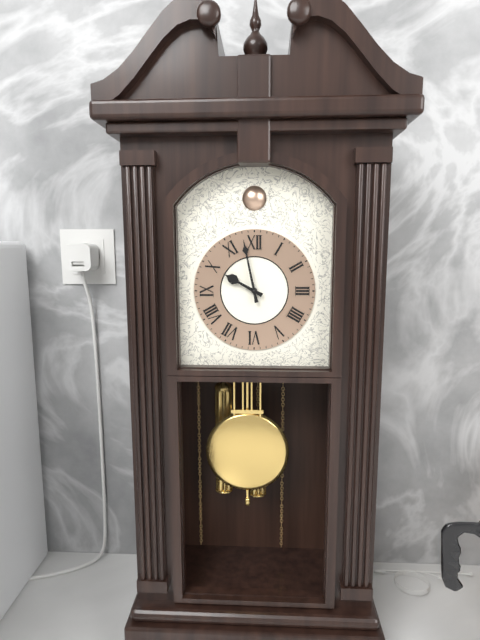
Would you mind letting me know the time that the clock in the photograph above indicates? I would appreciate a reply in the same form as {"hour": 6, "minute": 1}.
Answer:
{"hour": 9, "minute": 58}
